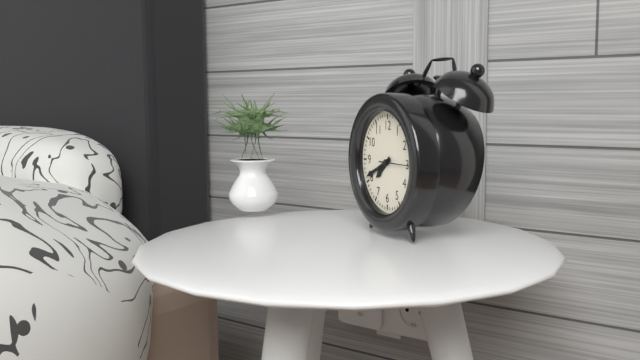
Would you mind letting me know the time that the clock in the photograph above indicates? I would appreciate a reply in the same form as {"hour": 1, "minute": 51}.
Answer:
{"hour": 7, "minute": 41}
